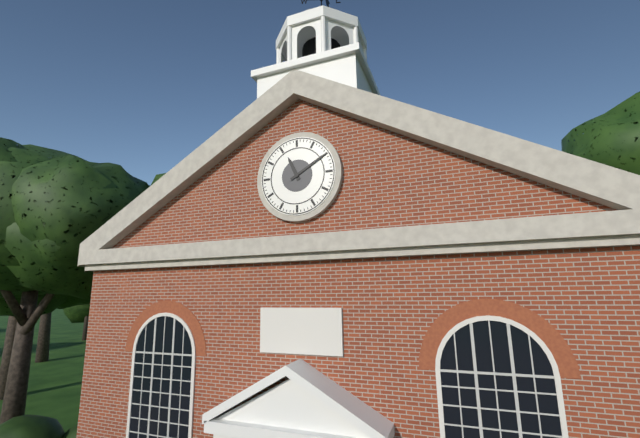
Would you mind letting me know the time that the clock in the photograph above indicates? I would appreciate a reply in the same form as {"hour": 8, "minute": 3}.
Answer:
{"hour": 11, "minute": 10}
